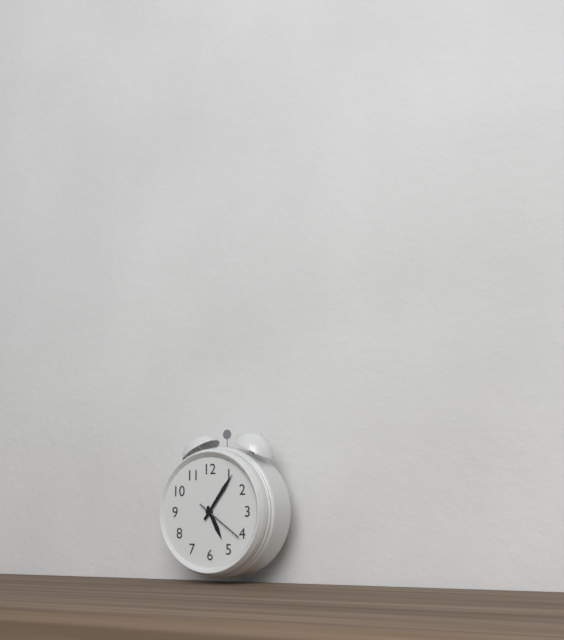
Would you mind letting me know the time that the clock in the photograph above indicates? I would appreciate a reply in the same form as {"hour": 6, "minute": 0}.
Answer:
{"hour": 5, "minute": 6}
